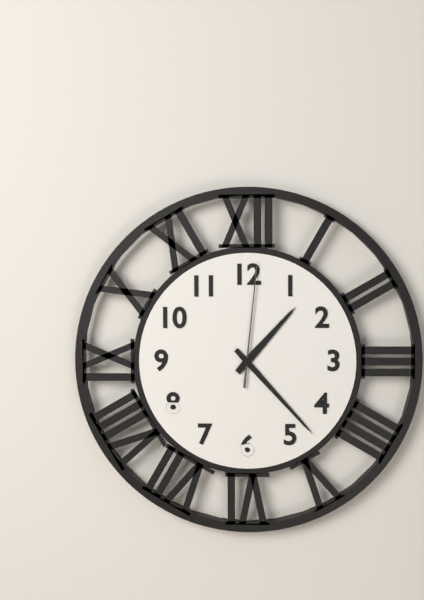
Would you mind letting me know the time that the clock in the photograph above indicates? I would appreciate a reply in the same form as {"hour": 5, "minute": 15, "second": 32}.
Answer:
{"hour": 1, "minute": 23, "second": 1}
